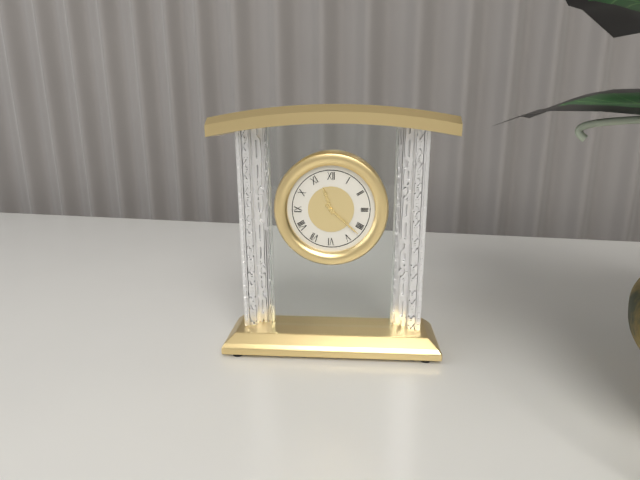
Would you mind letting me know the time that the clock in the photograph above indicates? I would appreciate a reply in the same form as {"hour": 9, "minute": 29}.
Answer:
{"hour": 11, "minute": 22}
